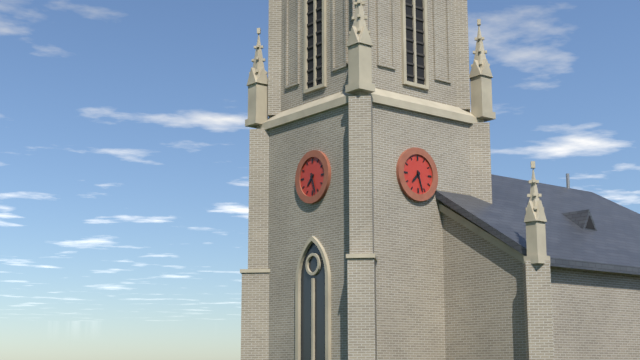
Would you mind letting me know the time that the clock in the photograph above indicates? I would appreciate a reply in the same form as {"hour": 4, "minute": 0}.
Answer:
{"hour": 7, "minute": 27}
